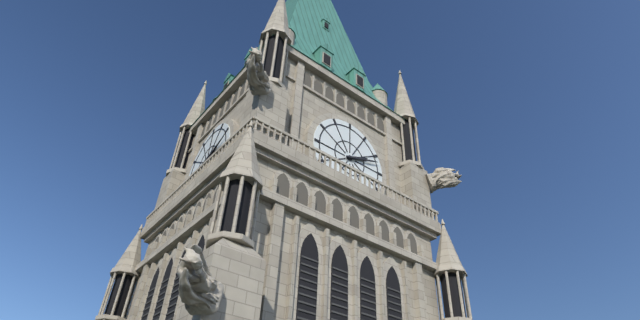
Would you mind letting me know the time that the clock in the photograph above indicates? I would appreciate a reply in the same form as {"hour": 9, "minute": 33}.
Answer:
{"hour": 2, "minute": 12}
